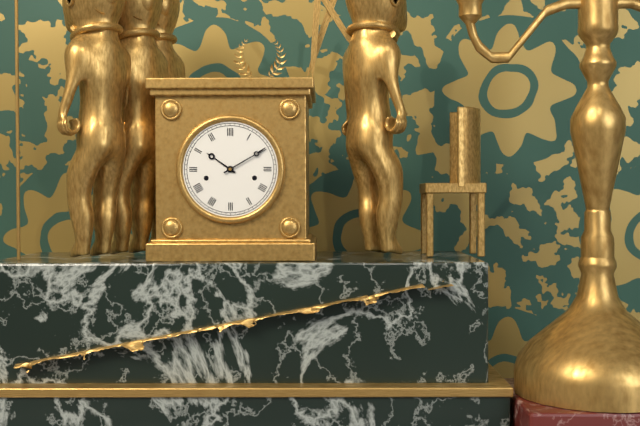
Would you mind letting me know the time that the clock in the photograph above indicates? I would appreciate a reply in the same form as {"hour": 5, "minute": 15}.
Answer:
{"hour": 10, "minute": 10}
